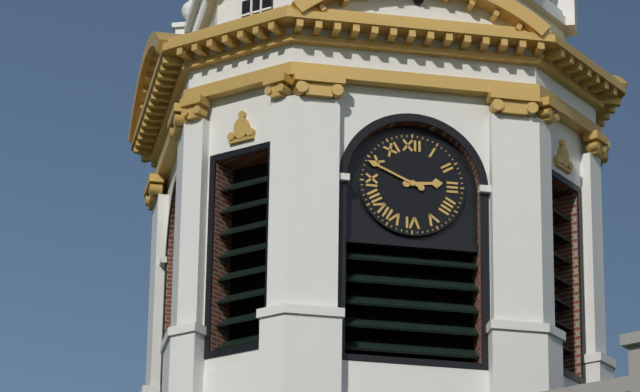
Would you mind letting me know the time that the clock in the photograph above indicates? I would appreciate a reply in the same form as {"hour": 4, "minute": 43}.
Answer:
{"hour": 2, "minute": 49}
